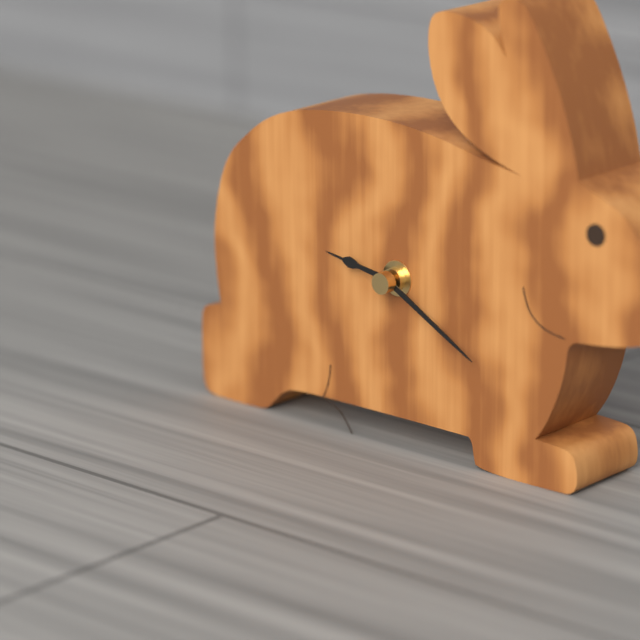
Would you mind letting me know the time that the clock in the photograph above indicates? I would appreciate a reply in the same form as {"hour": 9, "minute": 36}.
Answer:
{"hour": 9, "minute": 20}
